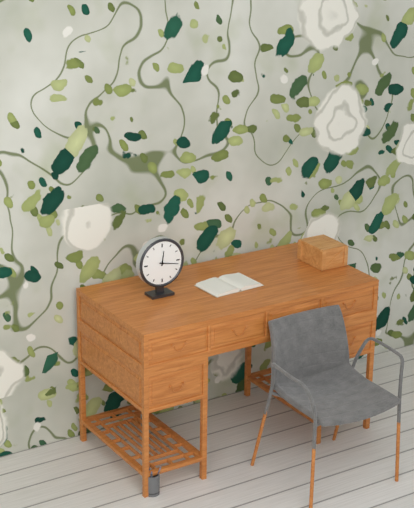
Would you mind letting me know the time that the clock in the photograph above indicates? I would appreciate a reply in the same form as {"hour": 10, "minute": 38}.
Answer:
{"hour": 12, "minute": 17}
